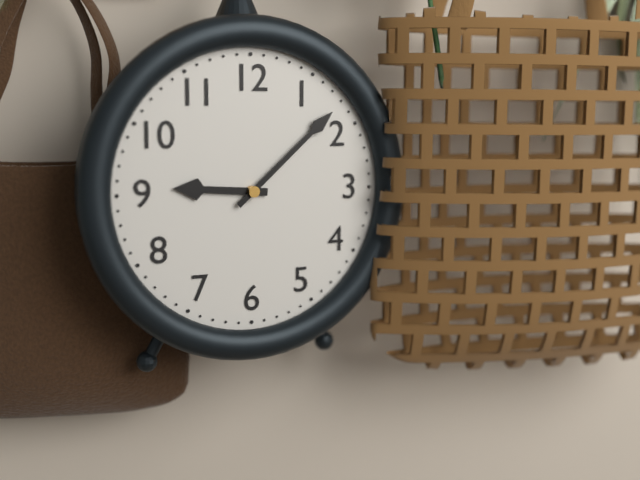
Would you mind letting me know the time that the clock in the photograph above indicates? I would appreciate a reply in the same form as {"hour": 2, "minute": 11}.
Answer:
{"hour": 9, "minute": 8}
